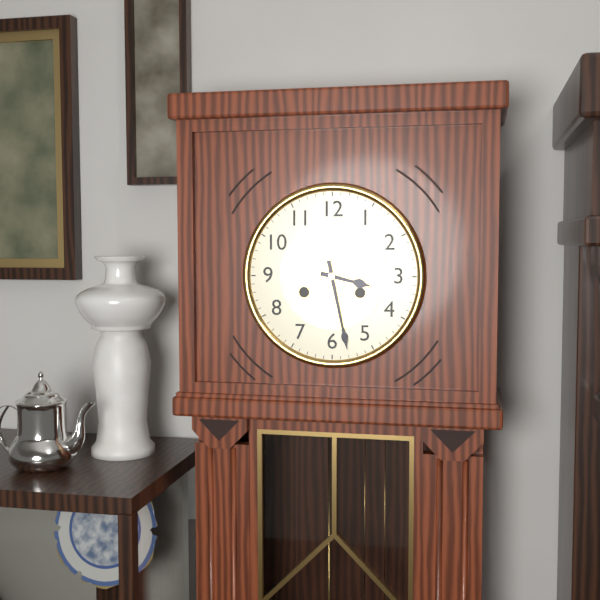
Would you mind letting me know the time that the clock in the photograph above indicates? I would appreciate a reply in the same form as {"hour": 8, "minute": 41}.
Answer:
{"hour": 3, "minute": 28}
